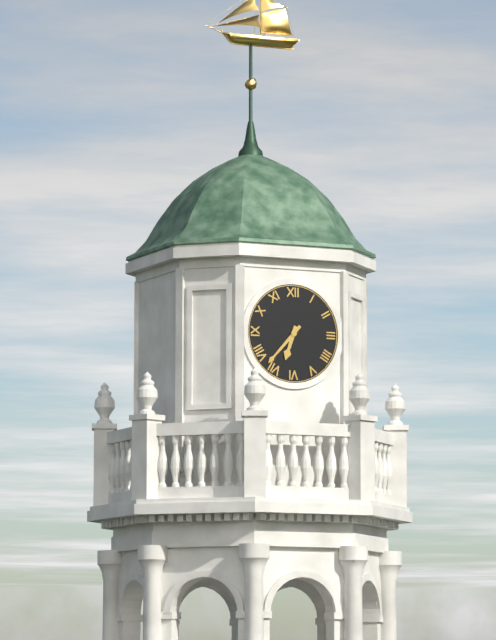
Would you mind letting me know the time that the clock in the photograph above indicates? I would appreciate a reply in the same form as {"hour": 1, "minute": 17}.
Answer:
{"hour": 6, "minute": 37}
